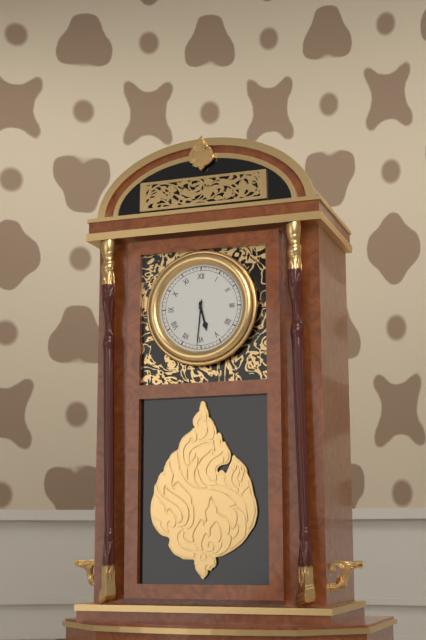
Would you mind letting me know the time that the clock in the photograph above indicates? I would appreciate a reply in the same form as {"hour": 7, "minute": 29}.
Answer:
{"hour": 5, "minute": 31}
